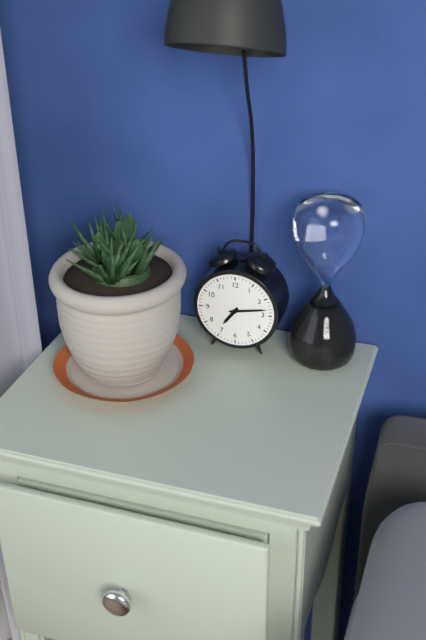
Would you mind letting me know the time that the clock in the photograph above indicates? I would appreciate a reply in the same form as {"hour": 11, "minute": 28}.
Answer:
{"hour": 7, "minute": 13}
